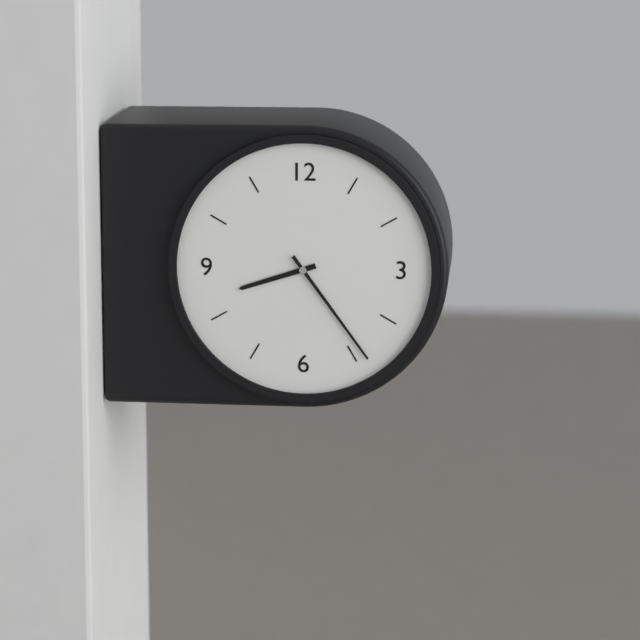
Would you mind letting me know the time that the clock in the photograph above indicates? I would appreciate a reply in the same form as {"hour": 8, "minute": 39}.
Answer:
{"hour": 8, "minute": 24}
